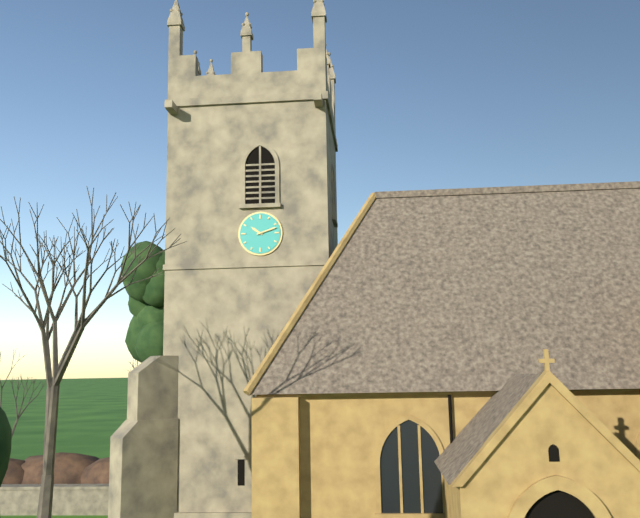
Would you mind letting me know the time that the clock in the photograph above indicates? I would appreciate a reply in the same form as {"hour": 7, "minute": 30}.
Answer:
{"hour": 10, "minute": 12}
